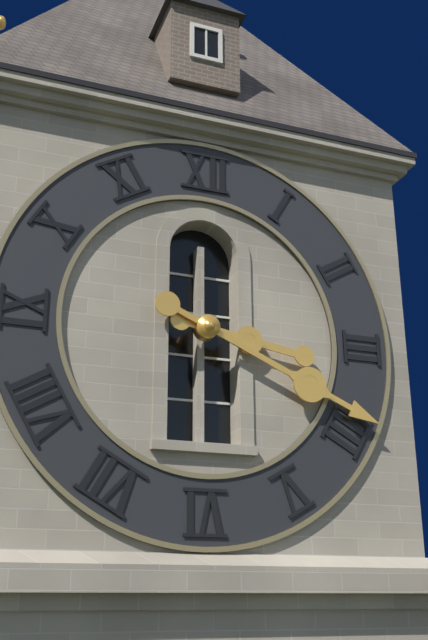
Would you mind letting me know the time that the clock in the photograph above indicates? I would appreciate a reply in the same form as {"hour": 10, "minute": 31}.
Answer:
{"hour": 3, "minute": 19}
